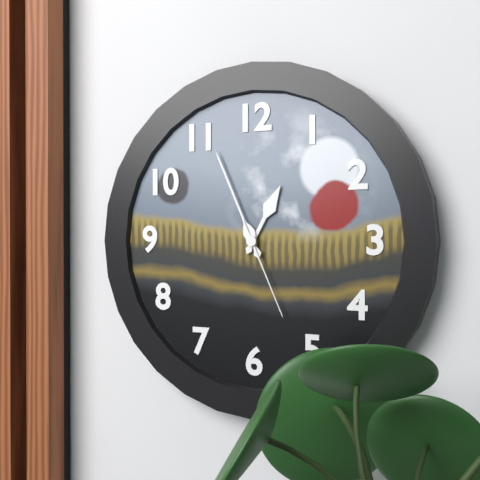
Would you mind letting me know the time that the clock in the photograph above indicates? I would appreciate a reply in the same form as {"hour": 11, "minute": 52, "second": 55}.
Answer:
{"hour": 12, "minute": 56, "second": 26}
